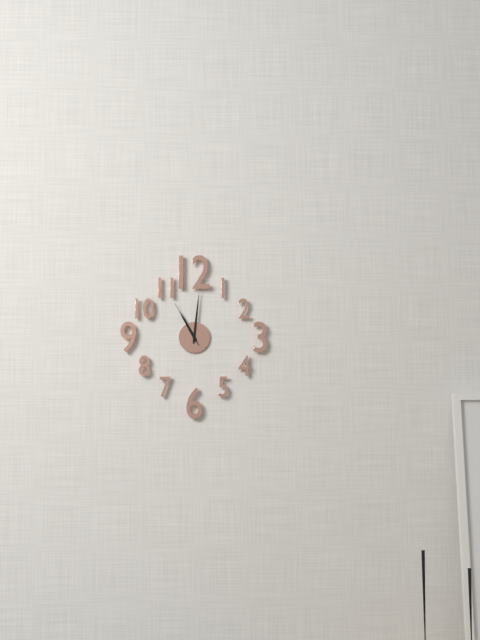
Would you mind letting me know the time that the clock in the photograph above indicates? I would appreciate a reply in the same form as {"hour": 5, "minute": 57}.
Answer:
{"hour": 11, "minute": 1}
